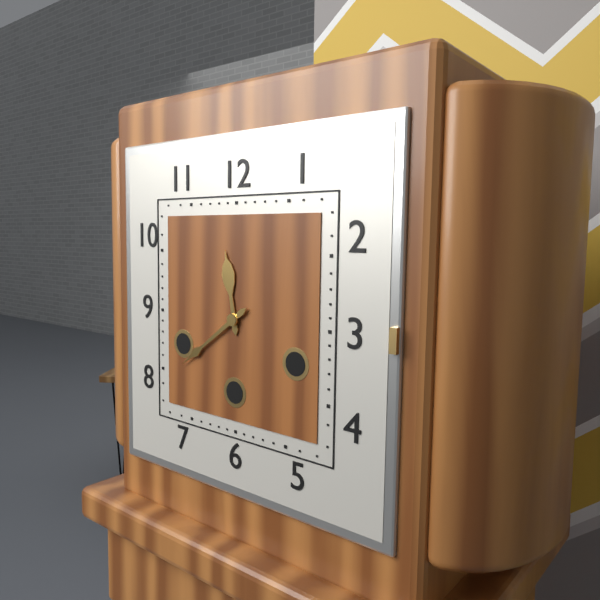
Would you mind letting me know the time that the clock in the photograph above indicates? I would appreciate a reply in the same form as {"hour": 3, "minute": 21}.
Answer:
{"hour": 11, "minute": 39}
